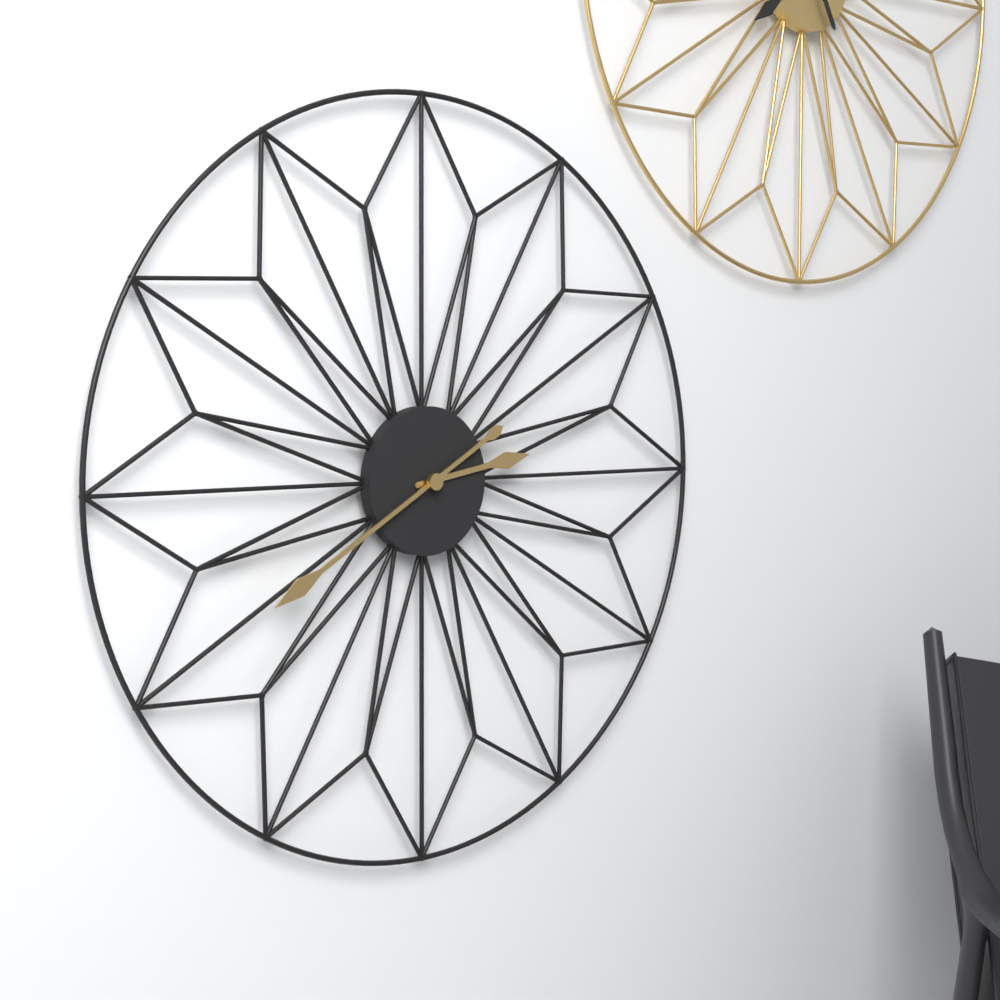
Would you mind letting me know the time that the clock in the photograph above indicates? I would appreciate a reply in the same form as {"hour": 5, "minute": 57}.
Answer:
{"hour": 2, "minute": 40}
